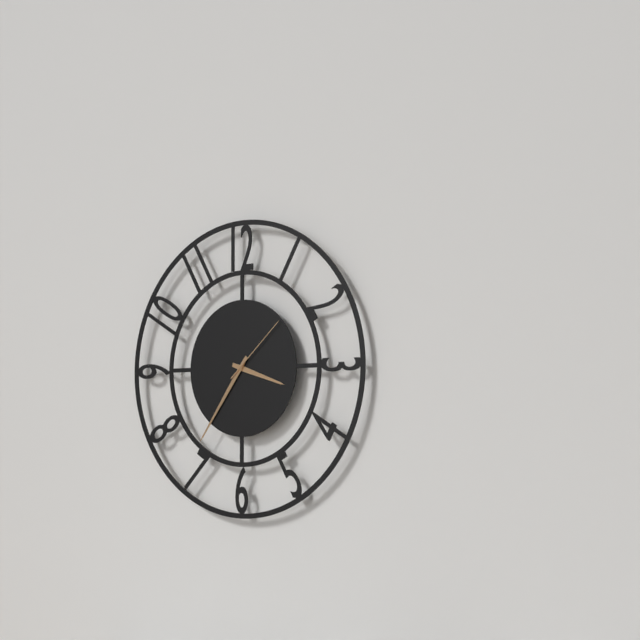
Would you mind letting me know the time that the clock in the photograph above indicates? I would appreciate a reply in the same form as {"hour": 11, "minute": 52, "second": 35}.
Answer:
{"hour": 3, "minute": 36, "second": 8}
